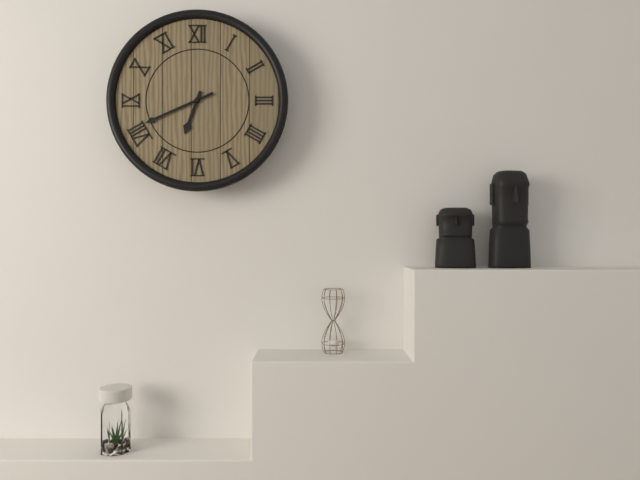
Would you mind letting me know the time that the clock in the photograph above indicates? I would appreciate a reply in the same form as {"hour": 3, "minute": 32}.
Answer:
{"hour": 6, "minute": 41}
